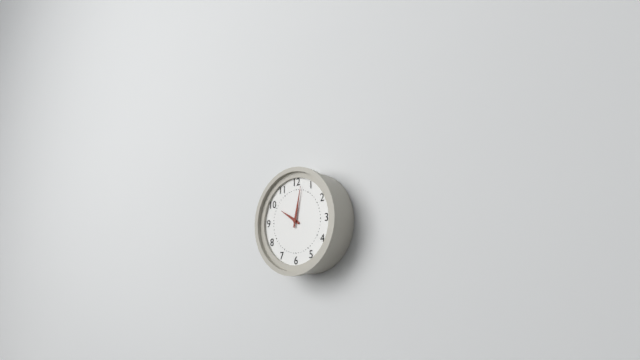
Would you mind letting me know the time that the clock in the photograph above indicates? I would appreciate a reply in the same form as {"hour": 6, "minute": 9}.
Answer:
{"hour": 10, "minute": 2}
